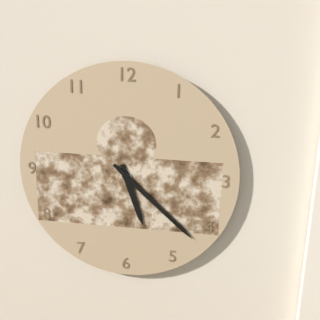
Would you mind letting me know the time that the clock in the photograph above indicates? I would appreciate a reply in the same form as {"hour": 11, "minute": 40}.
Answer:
{"hour": 5, "minute": 22}
